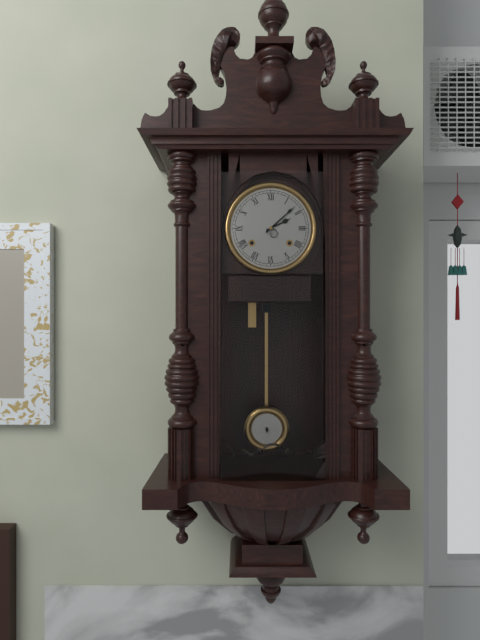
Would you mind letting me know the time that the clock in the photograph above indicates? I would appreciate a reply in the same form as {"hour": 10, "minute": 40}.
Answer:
{"hour": 2, "minute": 8}
